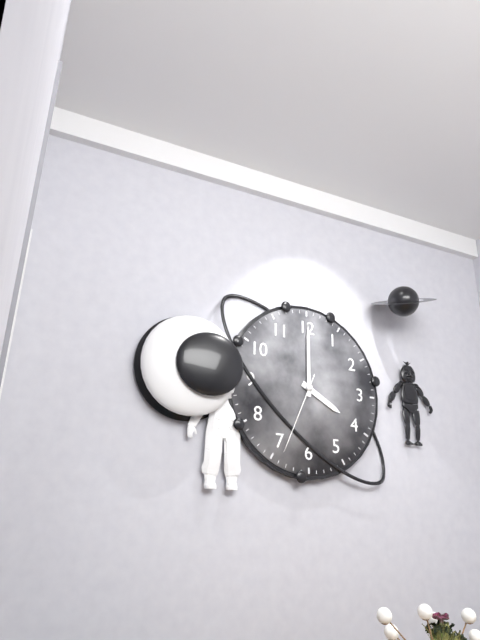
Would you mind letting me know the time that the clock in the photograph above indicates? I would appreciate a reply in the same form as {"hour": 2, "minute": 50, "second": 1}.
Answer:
{"hour": 4, "minute": 0, "second": 34}
